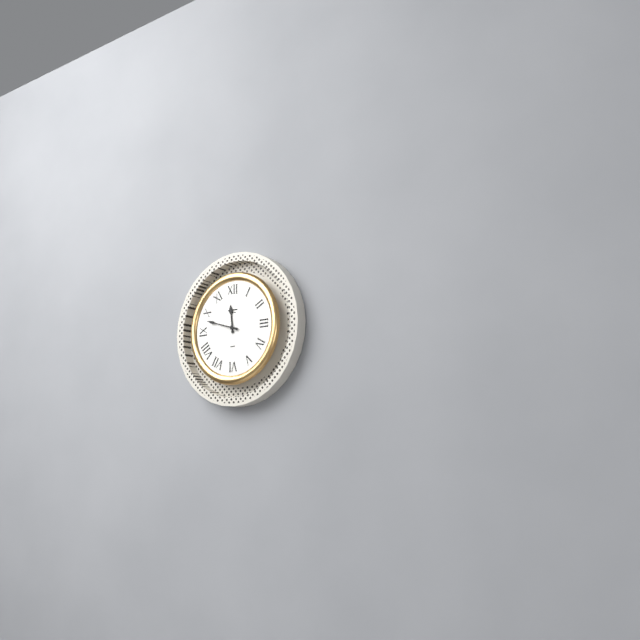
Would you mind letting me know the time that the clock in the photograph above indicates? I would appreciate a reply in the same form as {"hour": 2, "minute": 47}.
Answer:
{"hour": 11, "minute": 48}
